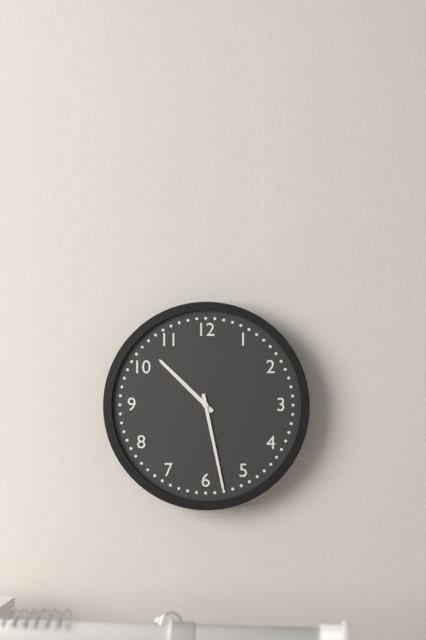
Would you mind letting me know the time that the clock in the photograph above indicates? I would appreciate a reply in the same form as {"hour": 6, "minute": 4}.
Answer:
{"hour": 10, "minute": 28}
